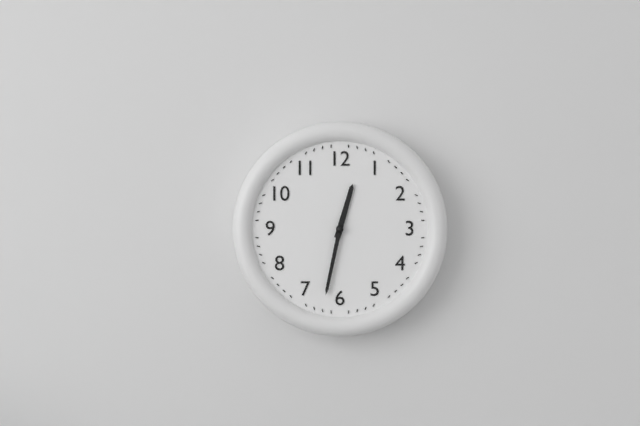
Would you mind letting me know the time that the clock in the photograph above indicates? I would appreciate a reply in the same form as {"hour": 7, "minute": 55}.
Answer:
{"hour": 12, "minute": 32}
